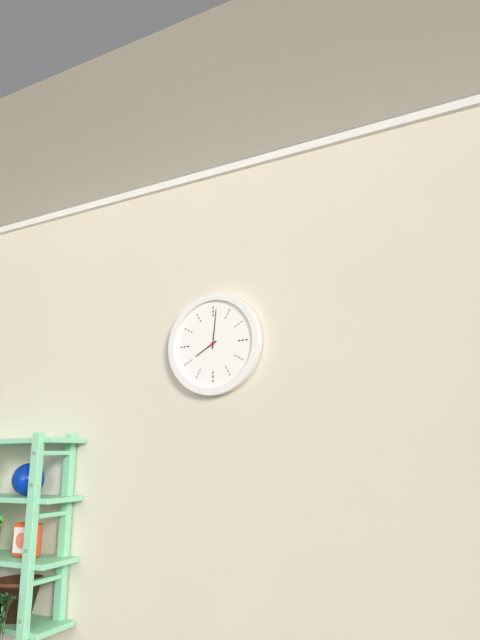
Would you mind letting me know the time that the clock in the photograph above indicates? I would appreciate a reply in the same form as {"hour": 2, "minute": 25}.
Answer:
{"hour": 8, "minute": 1}
